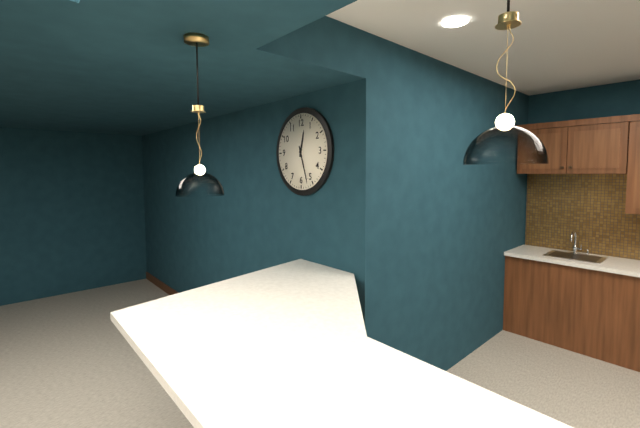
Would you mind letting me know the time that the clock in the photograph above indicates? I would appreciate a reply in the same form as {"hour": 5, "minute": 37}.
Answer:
{"hour": 12, "minute": 27}
